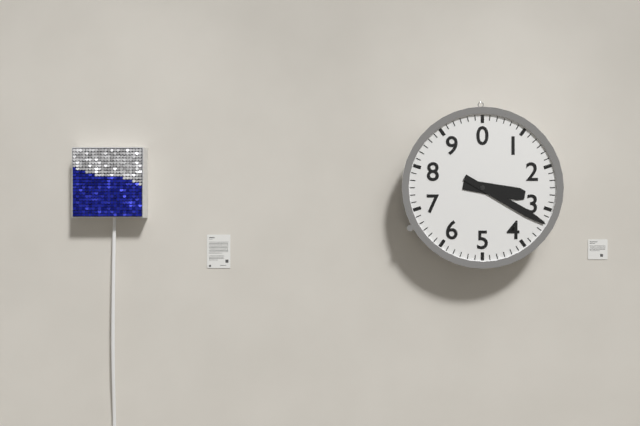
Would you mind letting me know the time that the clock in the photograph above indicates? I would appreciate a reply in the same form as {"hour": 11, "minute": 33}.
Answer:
{"hour": 3, "minute": 20}
